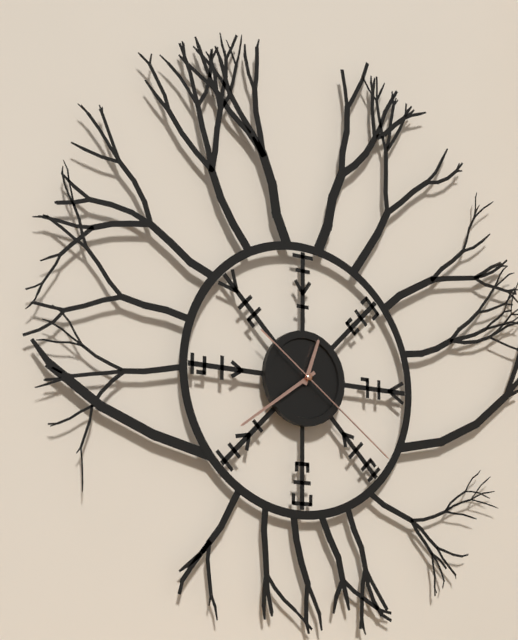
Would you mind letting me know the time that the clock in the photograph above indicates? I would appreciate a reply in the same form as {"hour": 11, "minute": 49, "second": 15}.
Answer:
{"hour": 12, "minute": 39, "second": 21}
